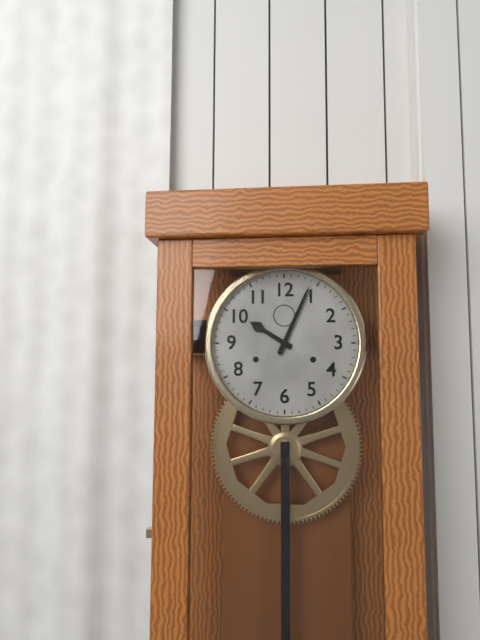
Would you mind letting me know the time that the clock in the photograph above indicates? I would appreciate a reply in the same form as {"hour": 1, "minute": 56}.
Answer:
{"hour": 10, "minute": 4}
